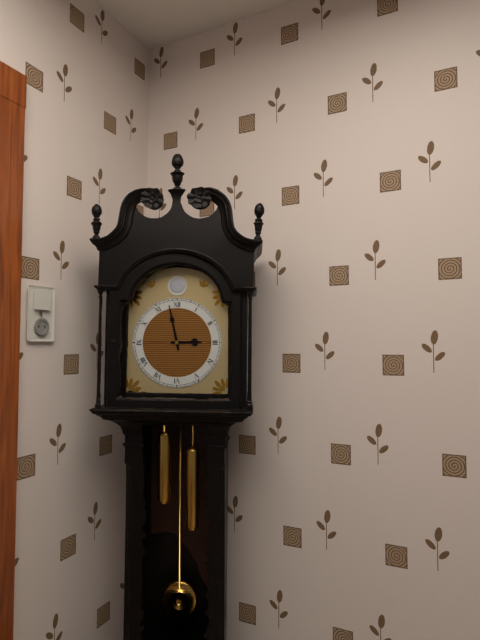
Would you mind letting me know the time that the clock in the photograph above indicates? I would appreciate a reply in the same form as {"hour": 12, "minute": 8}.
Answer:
{"hour": 2, "minute": 58}
